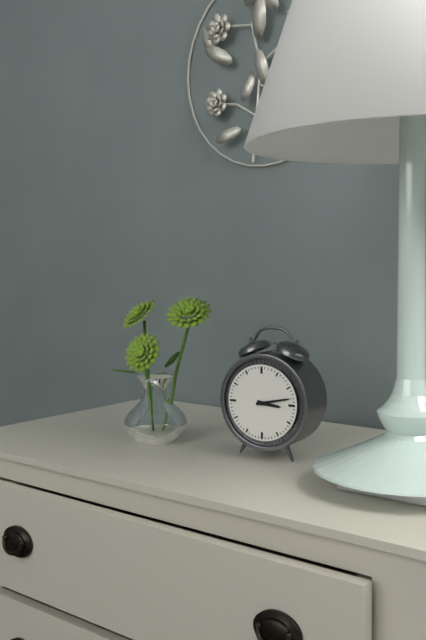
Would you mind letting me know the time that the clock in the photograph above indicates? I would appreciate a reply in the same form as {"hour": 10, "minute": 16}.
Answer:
{"hour": 3, "minute": 13}
